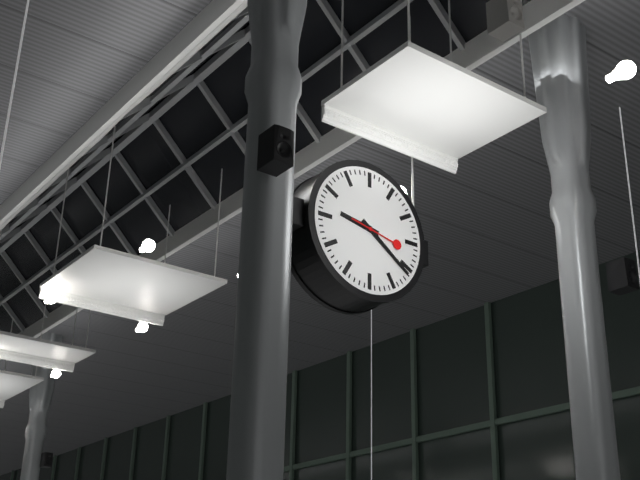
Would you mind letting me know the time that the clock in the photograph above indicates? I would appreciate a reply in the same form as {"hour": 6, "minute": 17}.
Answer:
{"hour": 9, "minute": 21}
